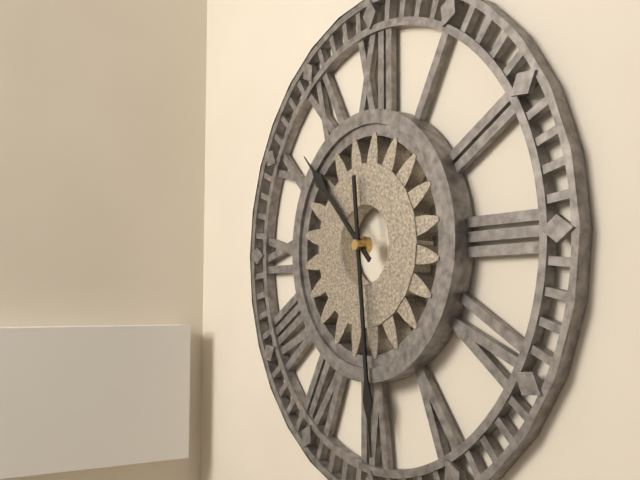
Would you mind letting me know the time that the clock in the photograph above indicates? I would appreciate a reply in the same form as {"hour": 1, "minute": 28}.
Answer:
{"hour": 10, "minute": 29}
